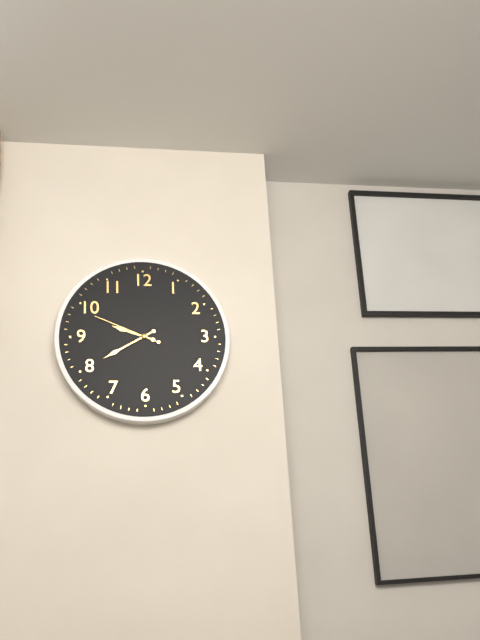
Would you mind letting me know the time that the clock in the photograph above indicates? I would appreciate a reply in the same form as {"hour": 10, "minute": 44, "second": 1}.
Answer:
{"hour": 9, "minute": 40, "second": 49}
